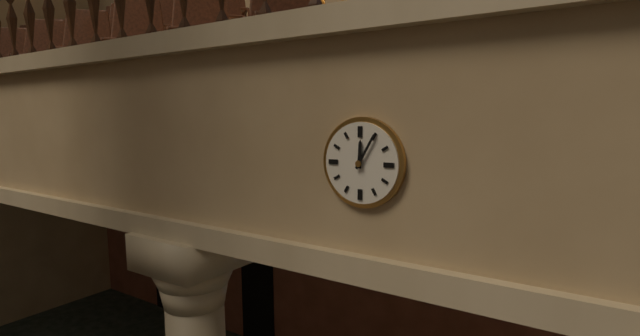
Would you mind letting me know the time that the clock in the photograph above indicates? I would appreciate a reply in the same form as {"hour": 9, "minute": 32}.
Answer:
{"hour": 12, "minute": 5}
